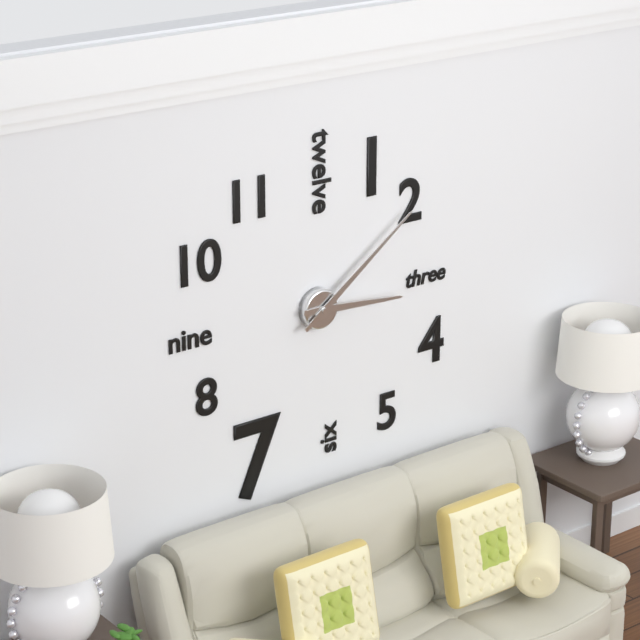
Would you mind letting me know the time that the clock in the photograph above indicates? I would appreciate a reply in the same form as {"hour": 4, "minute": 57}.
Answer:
{"hour": 3, "minute": 9}
